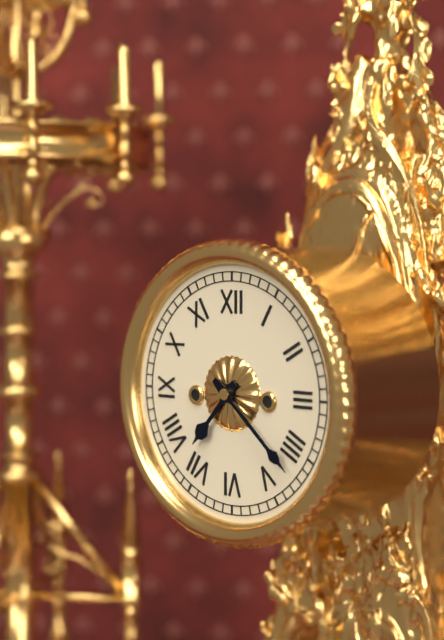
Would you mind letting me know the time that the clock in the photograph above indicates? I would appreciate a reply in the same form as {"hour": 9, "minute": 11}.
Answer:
{"hour": 7, "minute": 22}
